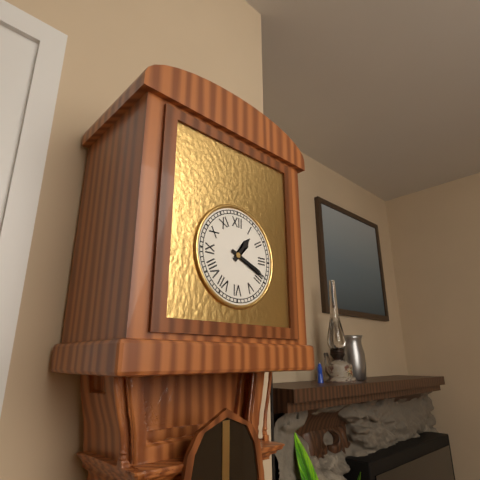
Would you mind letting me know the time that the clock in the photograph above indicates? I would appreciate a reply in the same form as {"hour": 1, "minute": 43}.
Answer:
{"hour": 1, "minute": 19}
